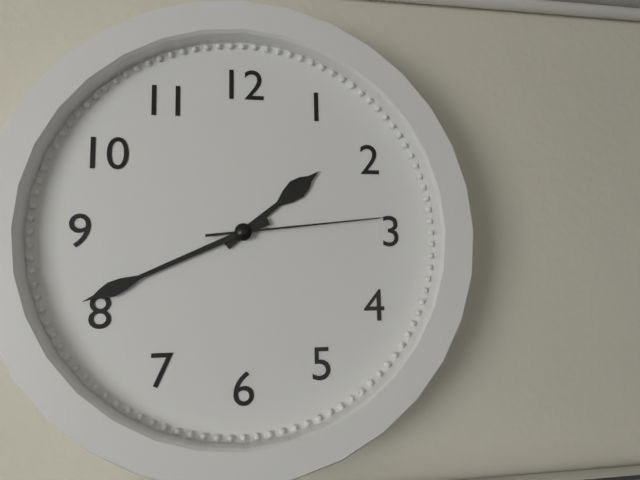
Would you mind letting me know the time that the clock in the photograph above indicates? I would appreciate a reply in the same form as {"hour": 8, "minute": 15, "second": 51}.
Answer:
{"hour": 1, "minute": 41, "second": 14}
